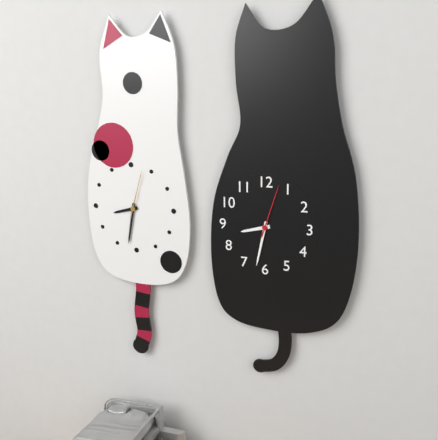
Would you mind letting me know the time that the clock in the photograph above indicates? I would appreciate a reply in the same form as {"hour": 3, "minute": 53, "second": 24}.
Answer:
{"hour": 8, "minute": 32, "second": 3}
